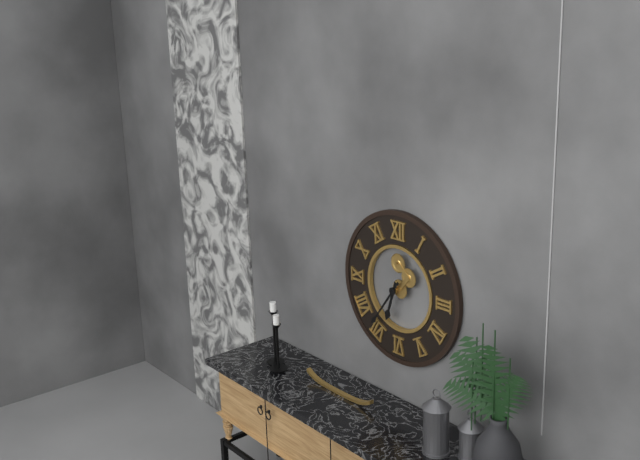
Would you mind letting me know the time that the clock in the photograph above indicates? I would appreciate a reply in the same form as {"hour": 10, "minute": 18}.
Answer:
{"hour": 6, "minute": 36}
